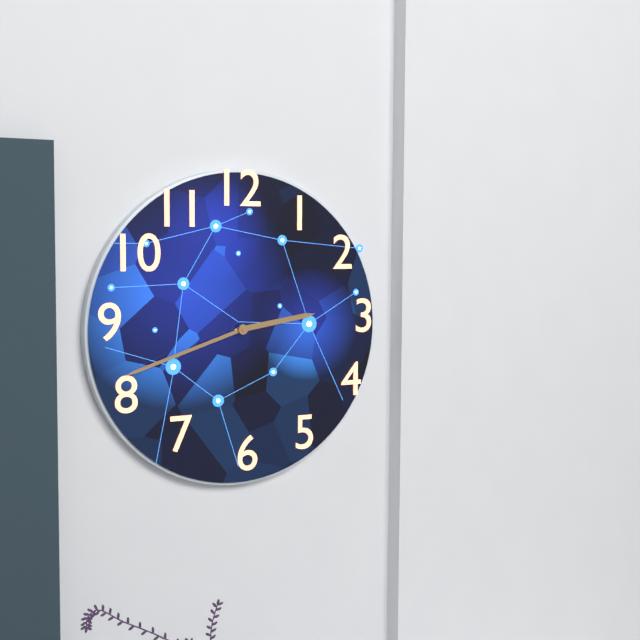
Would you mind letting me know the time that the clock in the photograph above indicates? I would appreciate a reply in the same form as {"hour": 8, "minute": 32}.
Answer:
{"hour": 2, "minute": 42}
